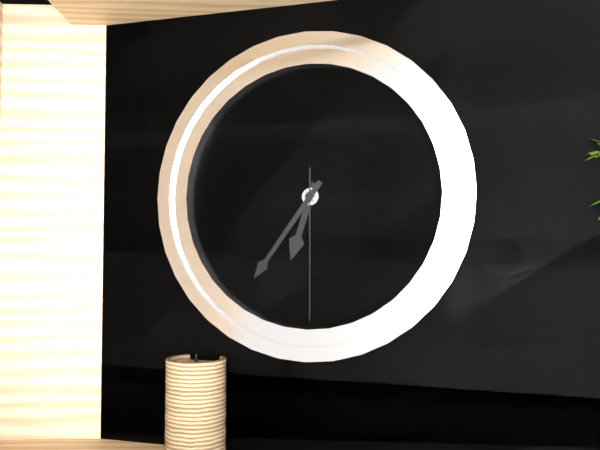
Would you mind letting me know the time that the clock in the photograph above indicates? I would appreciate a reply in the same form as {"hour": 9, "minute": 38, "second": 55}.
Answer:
{"hour": 6, "minute": 36, "second": 30}
